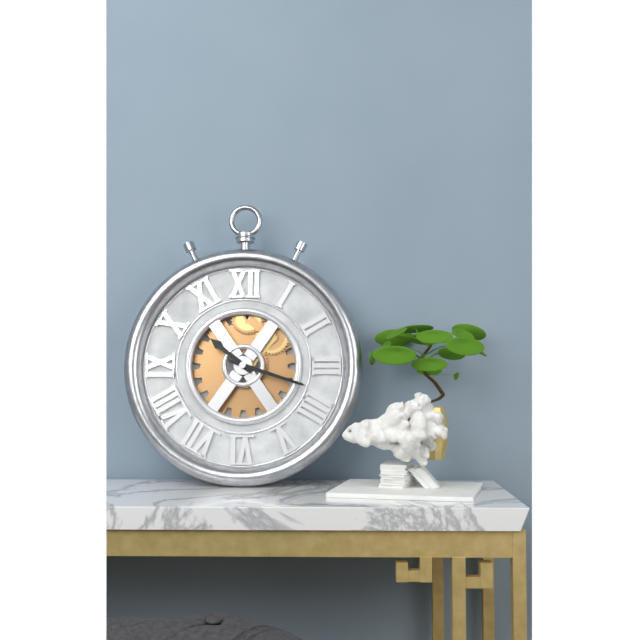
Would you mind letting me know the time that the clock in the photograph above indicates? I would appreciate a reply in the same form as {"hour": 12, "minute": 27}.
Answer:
{"hour": 10, "minute": 18}
